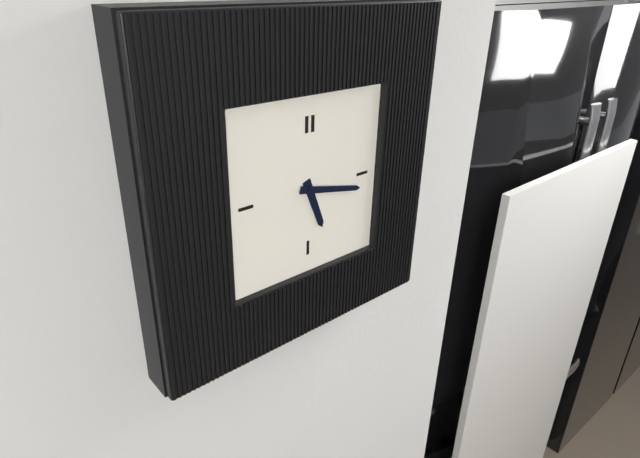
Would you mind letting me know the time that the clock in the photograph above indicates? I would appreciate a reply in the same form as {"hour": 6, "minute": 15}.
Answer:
{"hour": 5, "minute": 17}
